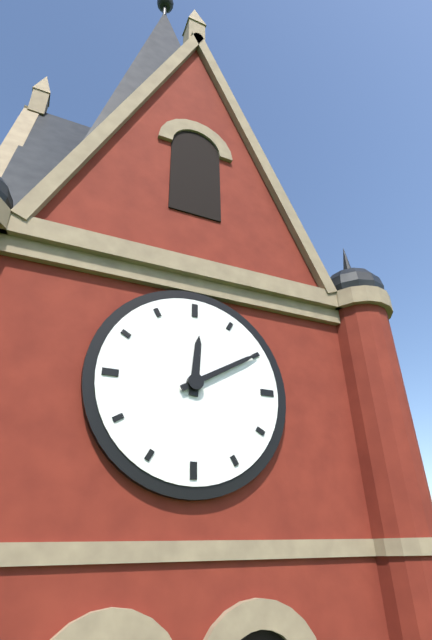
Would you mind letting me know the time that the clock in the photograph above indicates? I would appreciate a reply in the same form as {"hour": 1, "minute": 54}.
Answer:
{"hour": 12, "minute": 10}
